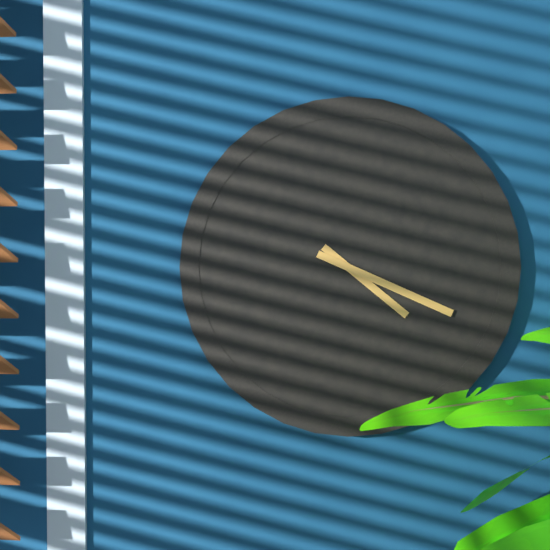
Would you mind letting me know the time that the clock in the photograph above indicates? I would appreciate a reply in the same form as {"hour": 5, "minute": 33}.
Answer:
{"hour": 4, "minute": 19}
